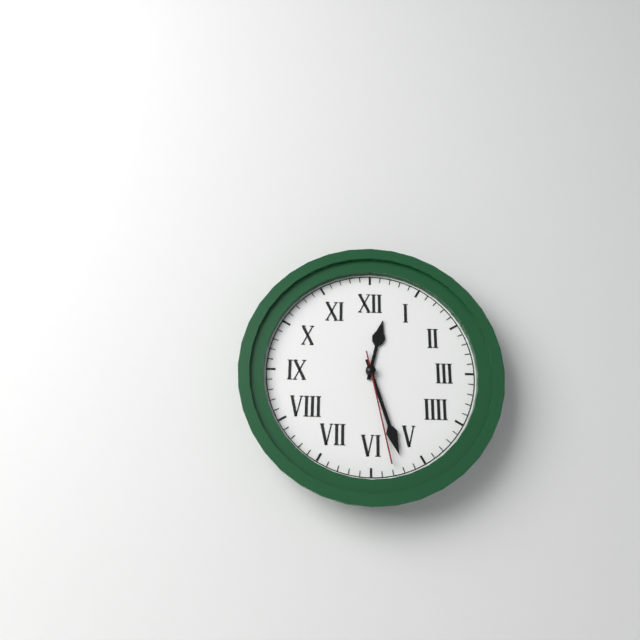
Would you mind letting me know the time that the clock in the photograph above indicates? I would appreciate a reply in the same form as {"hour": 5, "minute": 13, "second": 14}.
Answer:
{"hour": 12, "minute": 27, "second": 28}
